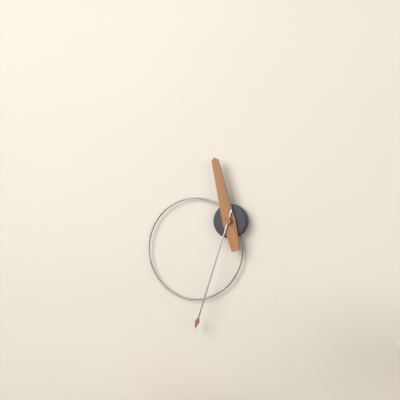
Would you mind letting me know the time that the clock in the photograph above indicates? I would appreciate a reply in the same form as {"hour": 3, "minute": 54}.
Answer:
{"hour": 11, "minute": 33}
